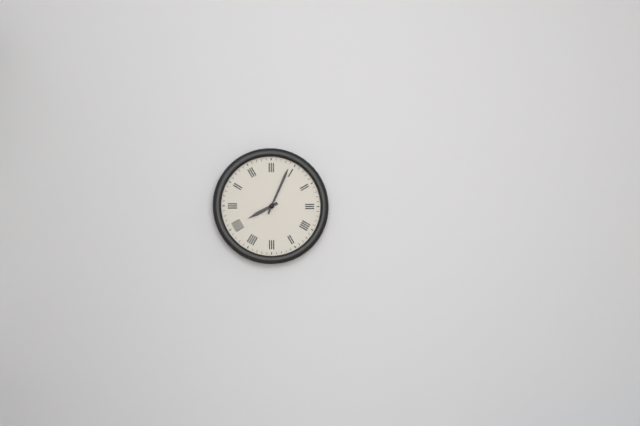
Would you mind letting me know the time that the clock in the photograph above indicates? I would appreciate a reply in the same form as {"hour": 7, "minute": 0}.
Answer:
{"hour": 8, "minute": 4}
